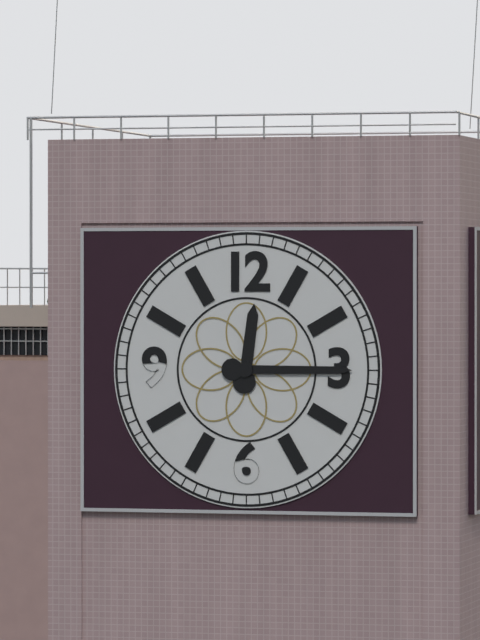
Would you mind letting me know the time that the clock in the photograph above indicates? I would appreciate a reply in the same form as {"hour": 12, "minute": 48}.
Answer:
{"hour": 12, "minute": 15}
